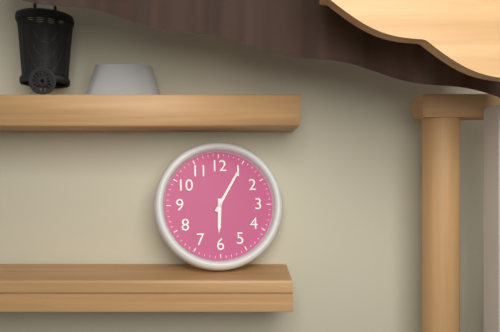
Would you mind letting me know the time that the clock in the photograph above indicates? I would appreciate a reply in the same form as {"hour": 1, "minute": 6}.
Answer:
{"hour": 6, "minute": 5}
